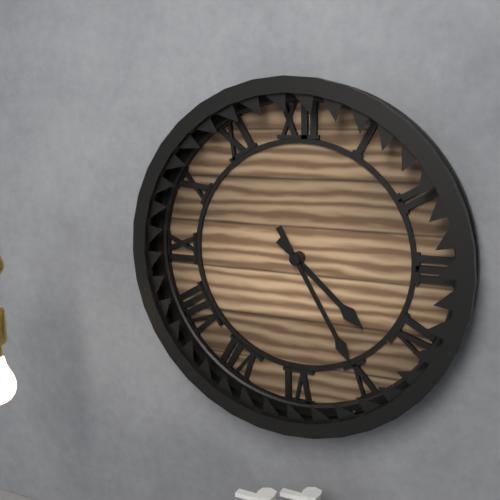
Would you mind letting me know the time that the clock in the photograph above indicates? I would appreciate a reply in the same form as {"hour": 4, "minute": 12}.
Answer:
{"hour": 4, "minute": 25}
